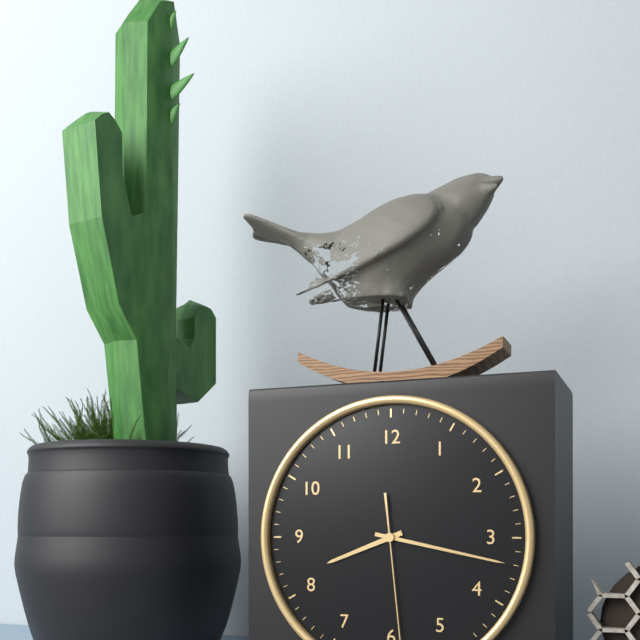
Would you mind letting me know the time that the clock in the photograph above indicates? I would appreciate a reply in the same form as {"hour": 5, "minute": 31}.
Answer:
{"hour": 8, "minute": 17}
